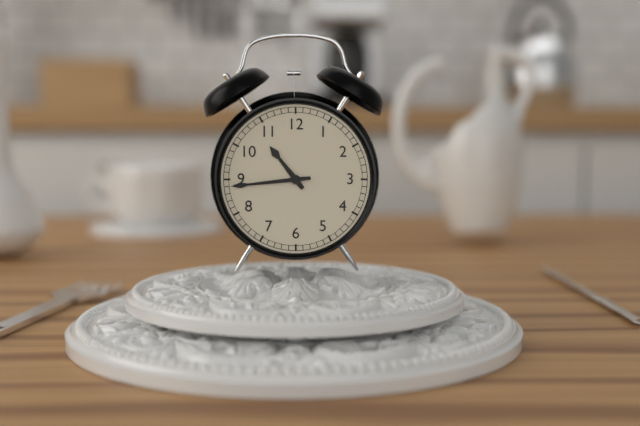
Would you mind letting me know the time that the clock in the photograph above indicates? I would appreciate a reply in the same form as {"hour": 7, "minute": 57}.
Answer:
{"hour": 10, "minute": 44}
